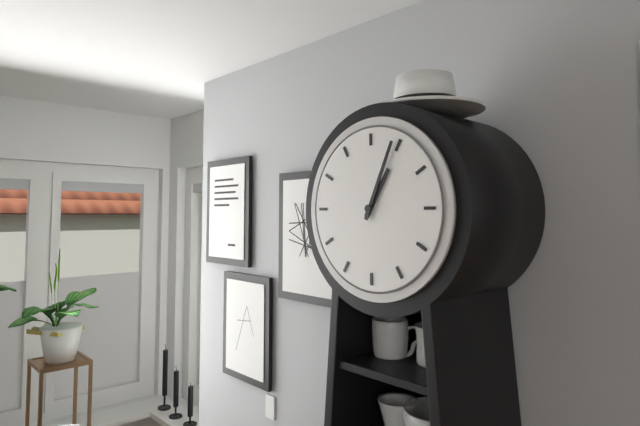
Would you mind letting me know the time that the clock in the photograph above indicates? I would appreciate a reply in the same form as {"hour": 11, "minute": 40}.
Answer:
{"hour": 1, "minute": 4}
